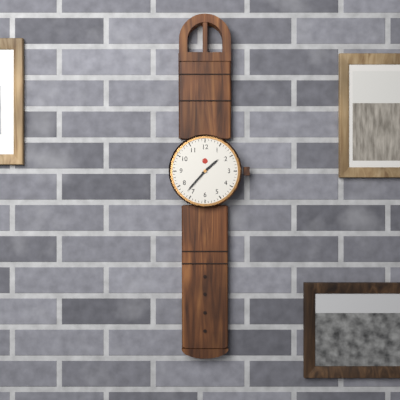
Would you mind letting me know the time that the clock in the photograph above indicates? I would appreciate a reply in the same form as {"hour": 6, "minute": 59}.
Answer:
{"hour": 1, "minute": 37}
